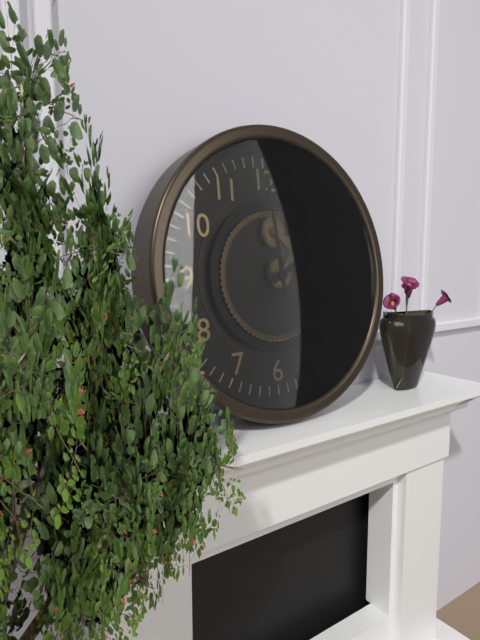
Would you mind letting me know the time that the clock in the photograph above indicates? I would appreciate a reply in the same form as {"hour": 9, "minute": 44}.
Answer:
{"hour": 1, "minute": 59}
